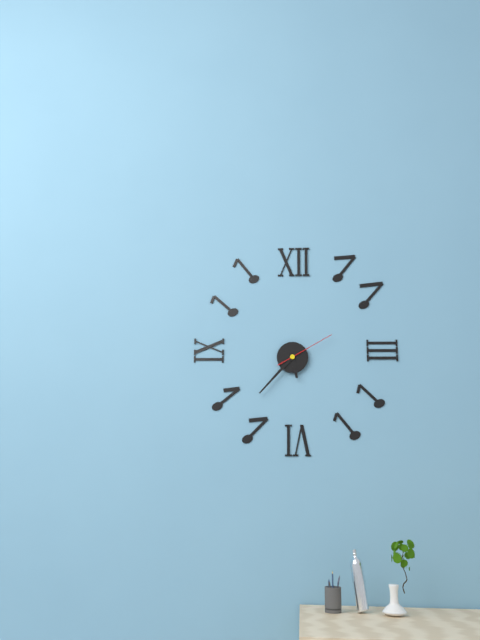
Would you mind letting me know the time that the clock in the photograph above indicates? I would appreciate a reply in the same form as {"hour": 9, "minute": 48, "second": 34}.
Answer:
{"hour": 5, "minute": 37, "second": 10}
